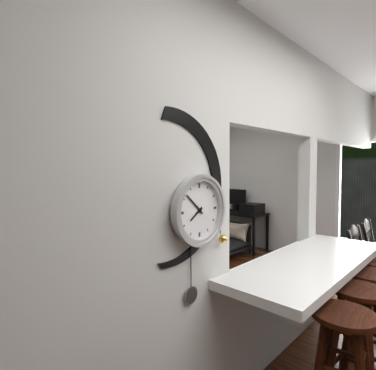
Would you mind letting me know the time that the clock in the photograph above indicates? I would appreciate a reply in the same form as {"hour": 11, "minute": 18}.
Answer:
{"hour": 7, "minute": 52}
